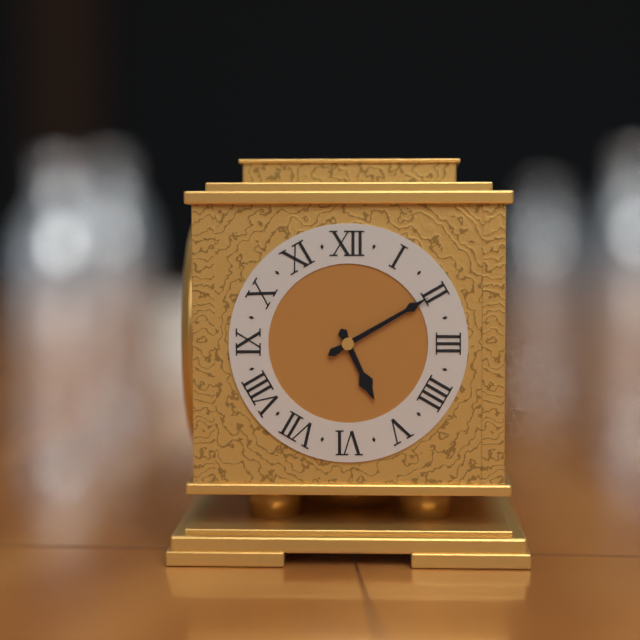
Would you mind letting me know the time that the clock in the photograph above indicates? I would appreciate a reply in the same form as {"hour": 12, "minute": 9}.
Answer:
{"hour": 5, "minute": 10}
